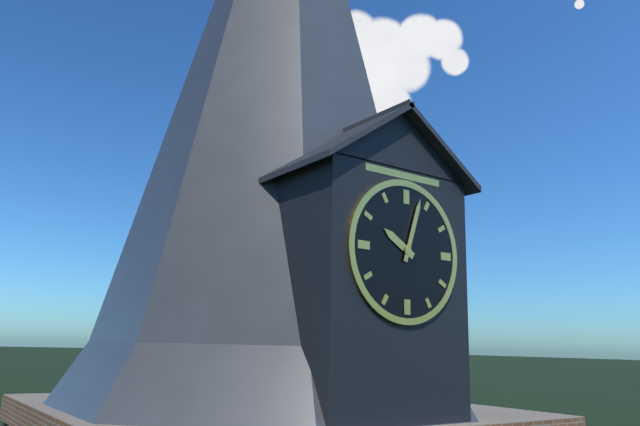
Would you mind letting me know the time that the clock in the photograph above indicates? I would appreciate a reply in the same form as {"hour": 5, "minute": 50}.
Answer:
{"hour": 10, "minute": 3}
